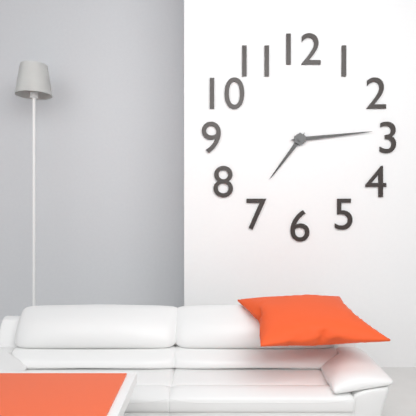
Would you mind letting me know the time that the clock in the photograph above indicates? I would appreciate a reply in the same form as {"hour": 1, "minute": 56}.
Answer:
{"hour": 7, "minute": 14}
